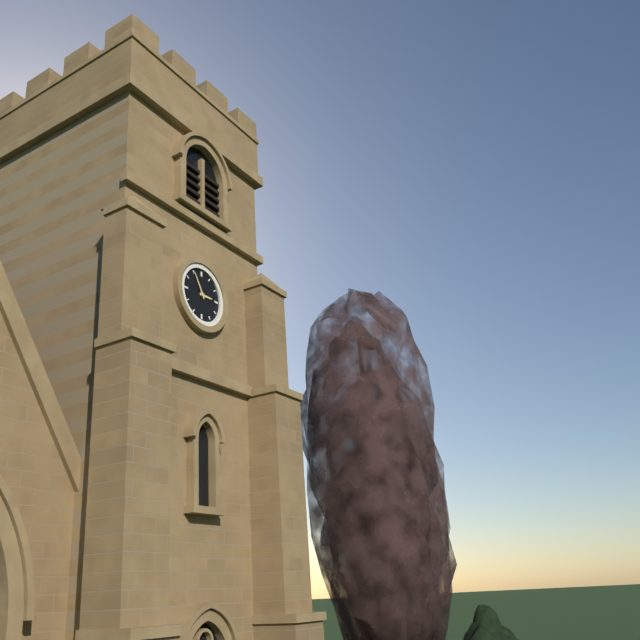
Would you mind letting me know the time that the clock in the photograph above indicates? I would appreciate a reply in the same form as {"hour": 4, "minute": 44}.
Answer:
{"hour": 2, "minute": 55}
